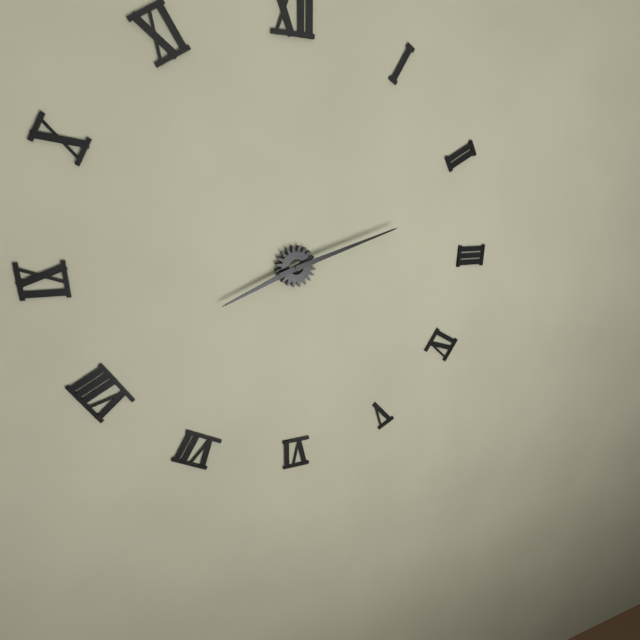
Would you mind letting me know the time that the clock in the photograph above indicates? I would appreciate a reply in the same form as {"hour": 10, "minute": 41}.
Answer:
{"hour": 8, "minute": 12}
